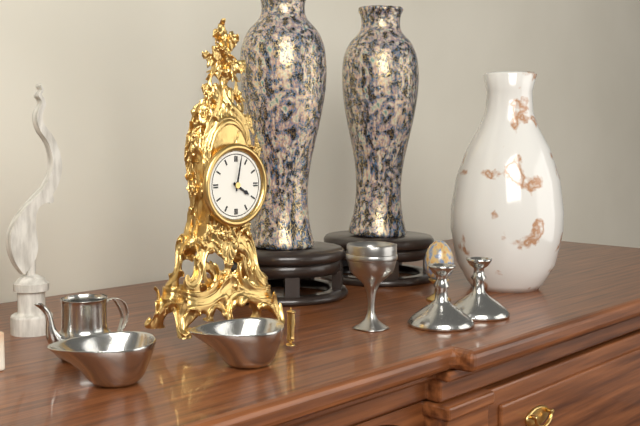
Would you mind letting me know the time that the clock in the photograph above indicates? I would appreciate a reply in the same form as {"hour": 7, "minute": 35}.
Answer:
{"hour": 4, "minute": 2}
